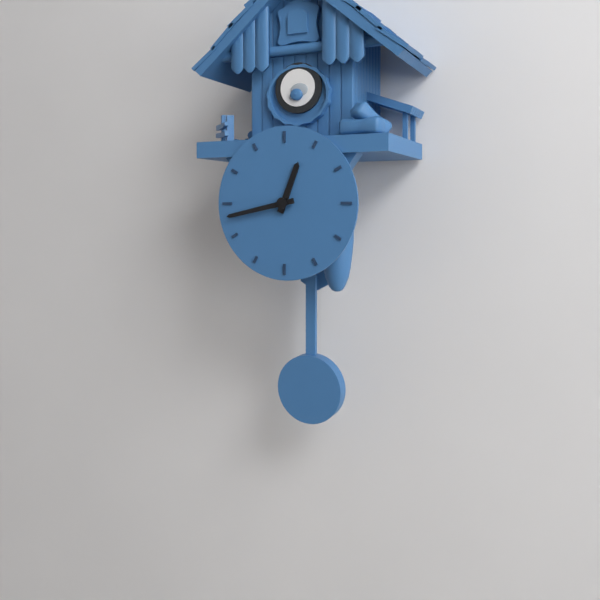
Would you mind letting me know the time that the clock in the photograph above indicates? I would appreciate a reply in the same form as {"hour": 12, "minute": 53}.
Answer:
{"hour": 12, "minute": 43}
